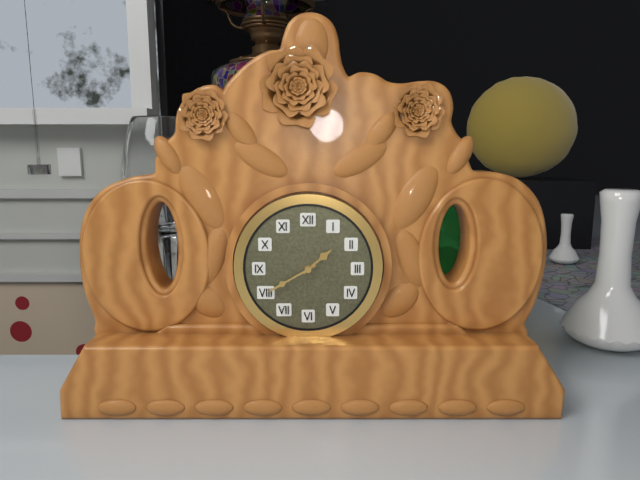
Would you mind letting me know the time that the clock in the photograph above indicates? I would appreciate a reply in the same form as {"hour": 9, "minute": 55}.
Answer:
{"hour": 1, "minute": 40}
